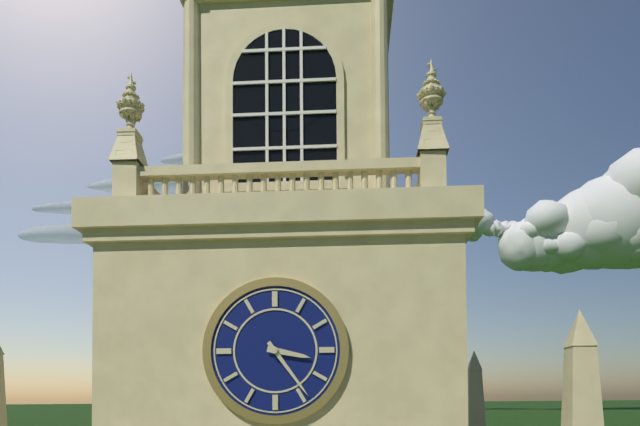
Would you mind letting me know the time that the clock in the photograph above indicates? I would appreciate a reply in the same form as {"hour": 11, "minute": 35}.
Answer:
{"hour": 3, "minute": 24}
